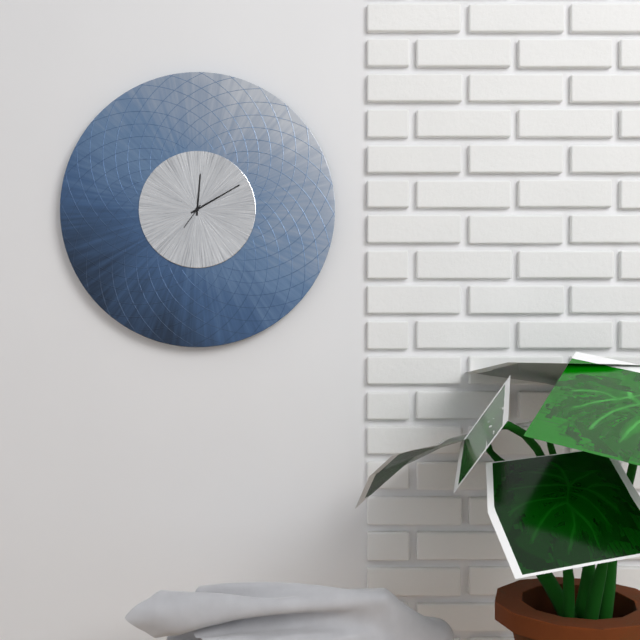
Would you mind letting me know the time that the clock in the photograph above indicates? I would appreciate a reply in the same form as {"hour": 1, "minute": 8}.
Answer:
{"hour": 12, "minute": 10}
